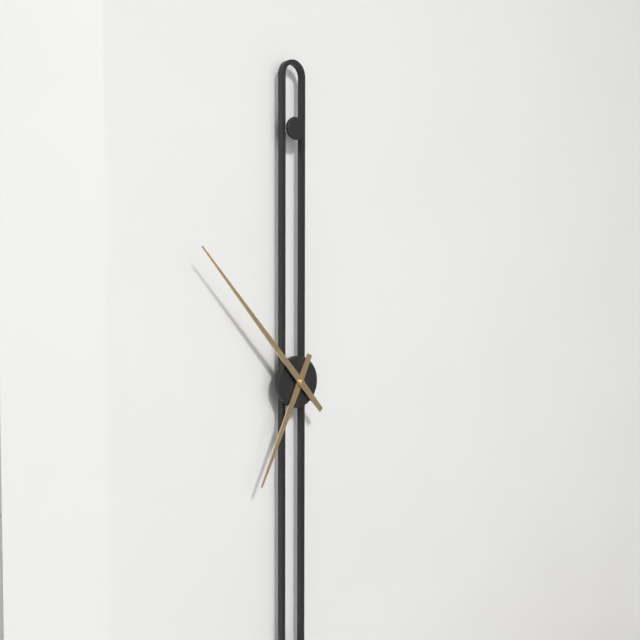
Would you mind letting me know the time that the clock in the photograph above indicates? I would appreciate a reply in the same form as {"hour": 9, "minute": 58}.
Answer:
{"hour": 6, "minute": 53}
